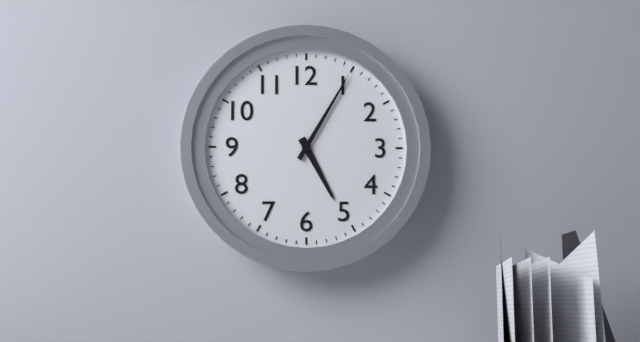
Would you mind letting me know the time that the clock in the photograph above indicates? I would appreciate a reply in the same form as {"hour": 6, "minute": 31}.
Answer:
{"hour": 5, "minute": 5}
